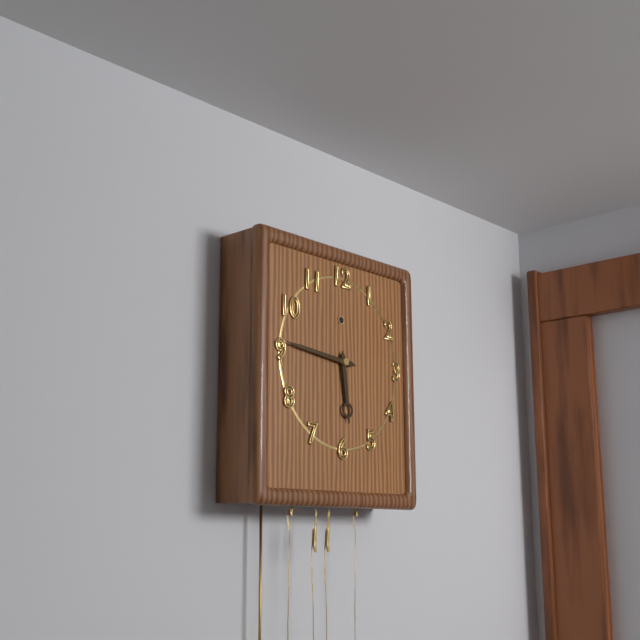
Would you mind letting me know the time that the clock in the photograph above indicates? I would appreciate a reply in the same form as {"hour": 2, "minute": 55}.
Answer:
{"hour": 5, "minute": 46}
